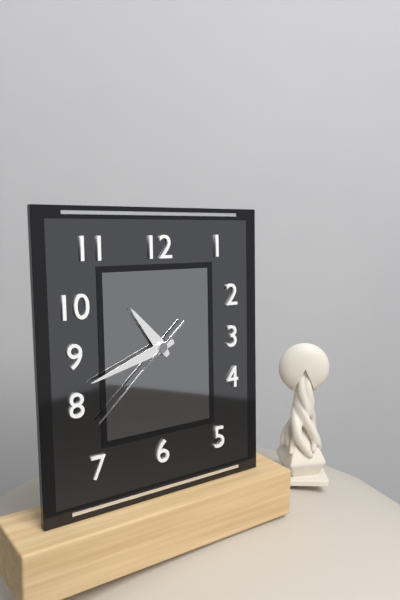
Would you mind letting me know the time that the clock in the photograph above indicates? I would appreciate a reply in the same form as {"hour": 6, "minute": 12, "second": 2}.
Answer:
{"hour": 10, "minute": 42, "second": 38}
